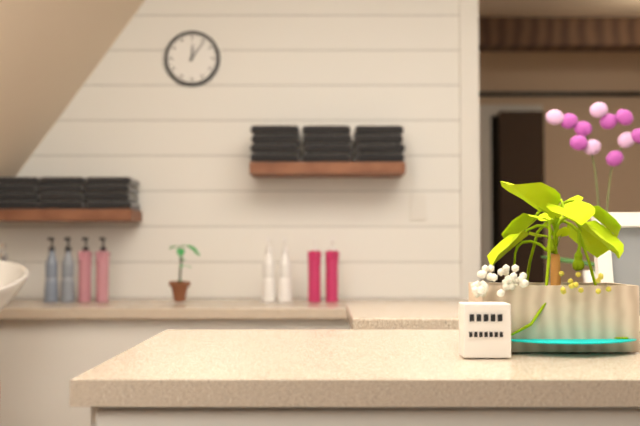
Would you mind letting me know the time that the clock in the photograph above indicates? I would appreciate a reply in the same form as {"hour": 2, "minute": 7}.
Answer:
{"hour": 12, "minute": 6}
